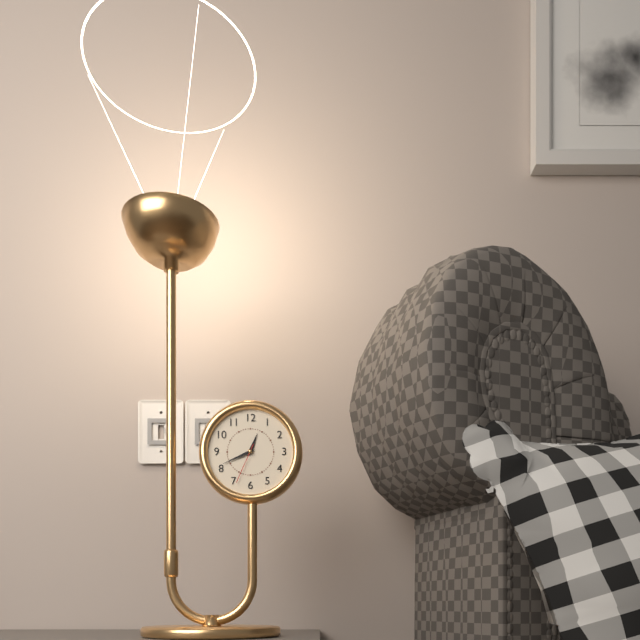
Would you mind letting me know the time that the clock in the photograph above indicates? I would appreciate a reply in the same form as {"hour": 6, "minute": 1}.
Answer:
{"hour": 12, "minute": 41}
